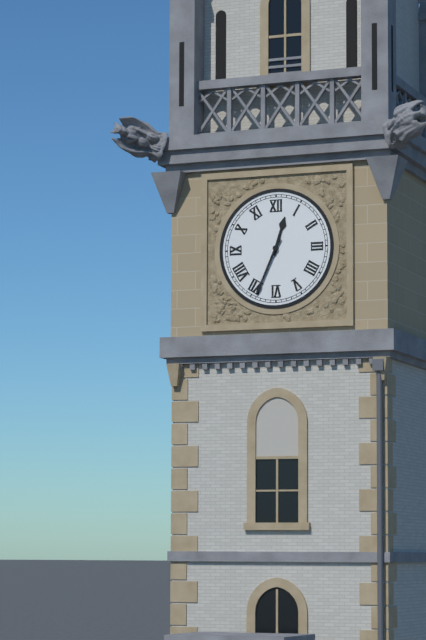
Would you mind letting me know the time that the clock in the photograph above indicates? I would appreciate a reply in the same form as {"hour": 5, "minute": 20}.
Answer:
{"hour": 12, "minute": 34}
